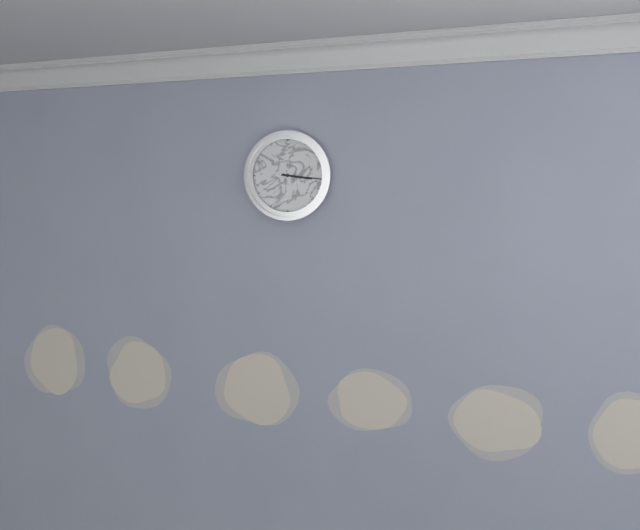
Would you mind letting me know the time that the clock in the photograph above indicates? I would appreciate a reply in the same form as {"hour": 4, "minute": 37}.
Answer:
{"hour": 3, "minute": 16}
